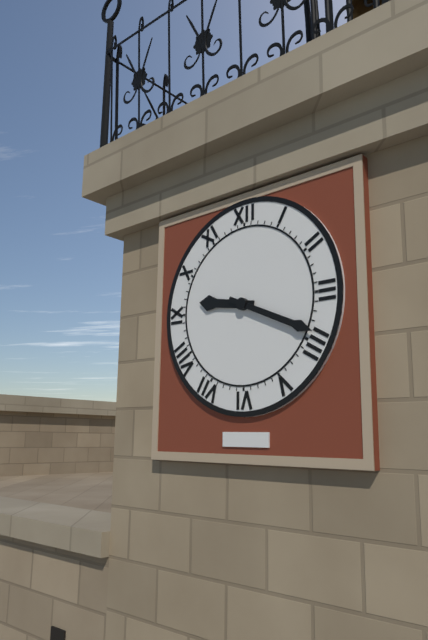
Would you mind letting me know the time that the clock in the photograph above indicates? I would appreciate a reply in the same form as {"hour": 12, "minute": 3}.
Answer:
{"hour": 9, "minute": 19}
